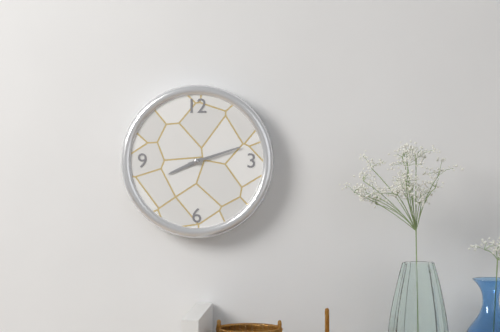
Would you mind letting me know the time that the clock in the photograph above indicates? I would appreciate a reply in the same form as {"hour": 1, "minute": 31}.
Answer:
{"hour": 8, "minute": 12}
